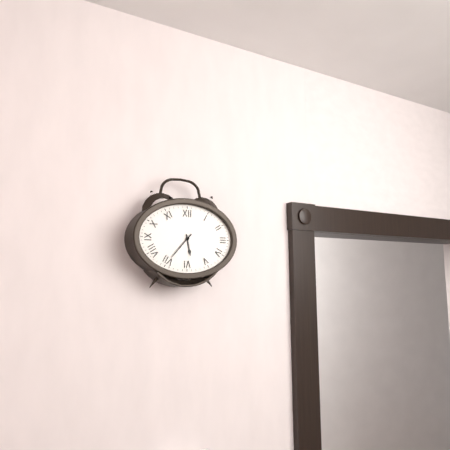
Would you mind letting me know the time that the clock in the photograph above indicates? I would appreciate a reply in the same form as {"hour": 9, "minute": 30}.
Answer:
{"hour": 5, "minute": 37}
